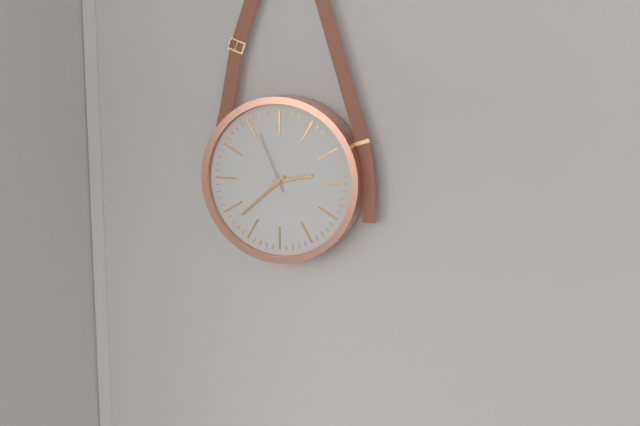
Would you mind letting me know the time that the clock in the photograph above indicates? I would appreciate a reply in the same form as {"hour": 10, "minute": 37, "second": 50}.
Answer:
{"hour": 2, "minute": 38, "second": 56}
